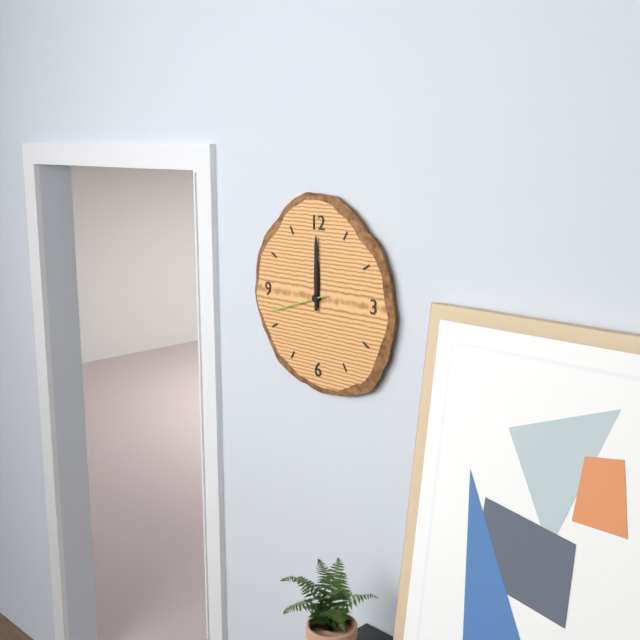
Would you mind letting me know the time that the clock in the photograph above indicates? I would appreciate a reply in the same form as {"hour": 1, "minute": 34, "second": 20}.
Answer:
{"hour": 12, "minute": 0, "second": 42}
